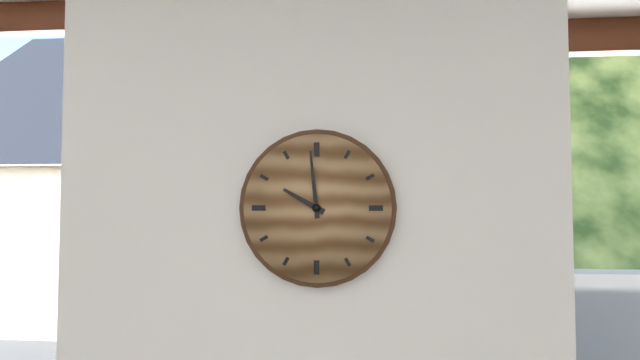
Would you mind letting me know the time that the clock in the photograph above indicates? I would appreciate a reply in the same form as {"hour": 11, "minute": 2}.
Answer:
{"hour": 9, "minute": 59}
